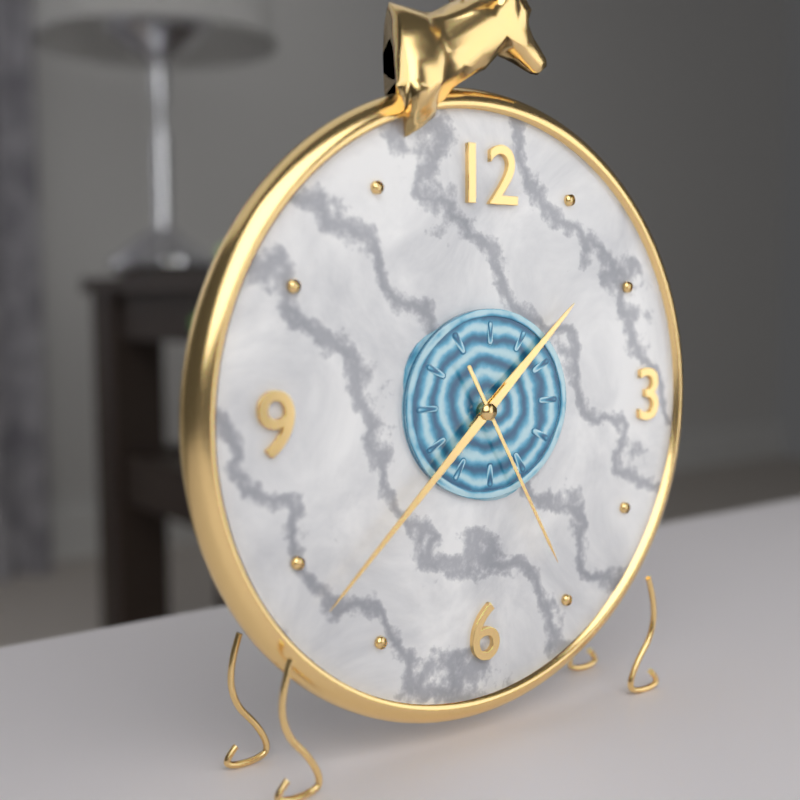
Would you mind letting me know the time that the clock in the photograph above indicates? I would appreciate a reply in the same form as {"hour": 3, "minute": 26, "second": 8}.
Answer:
{"hour": 1, "minute": 38, "second": 25}
